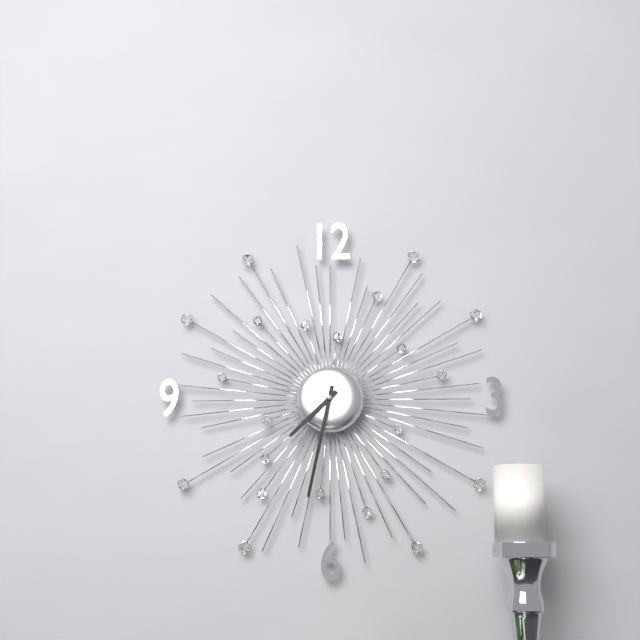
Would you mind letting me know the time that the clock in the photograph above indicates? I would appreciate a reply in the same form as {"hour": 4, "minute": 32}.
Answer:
{"hour": 7, "minute": 32}
